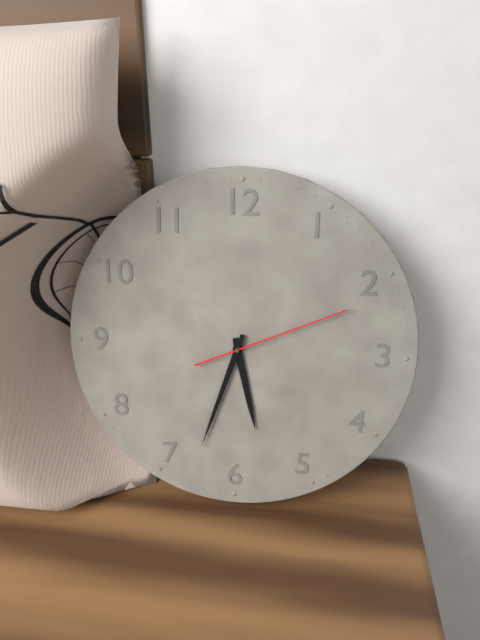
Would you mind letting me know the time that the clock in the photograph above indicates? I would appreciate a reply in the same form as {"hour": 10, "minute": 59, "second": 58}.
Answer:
{"hour": 5, "minute": 33, "second": 11}
